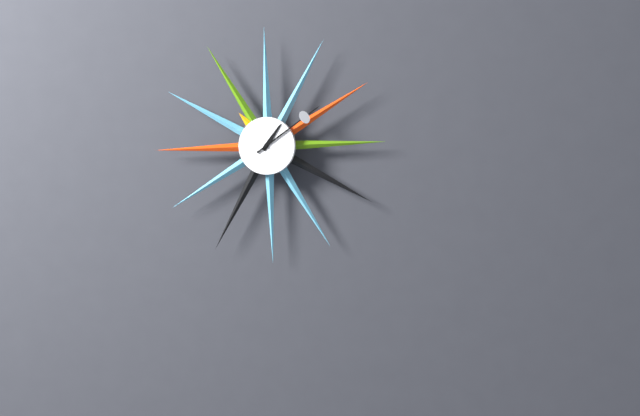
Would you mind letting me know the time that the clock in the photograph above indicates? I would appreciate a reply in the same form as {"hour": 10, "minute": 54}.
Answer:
{"hour": 1, "minute": 9}
